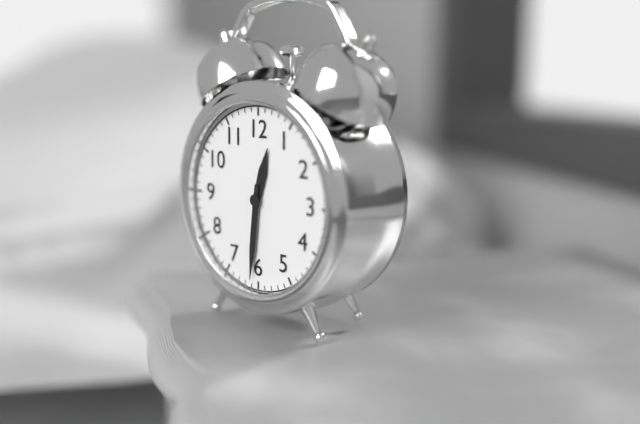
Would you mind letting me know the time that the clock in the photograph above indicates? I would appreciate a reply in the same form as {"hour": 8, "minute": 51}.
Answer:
{"hour": 12, "minute": 31}
